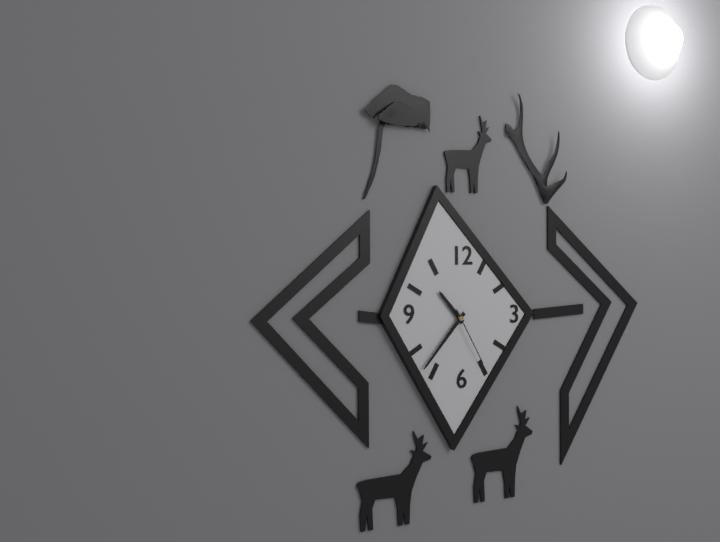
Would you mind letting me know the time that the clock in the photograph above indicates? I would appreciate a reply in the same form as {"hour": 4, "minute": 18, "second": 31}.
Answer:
{"hour": 10, "minute": 37, "second": 25}
